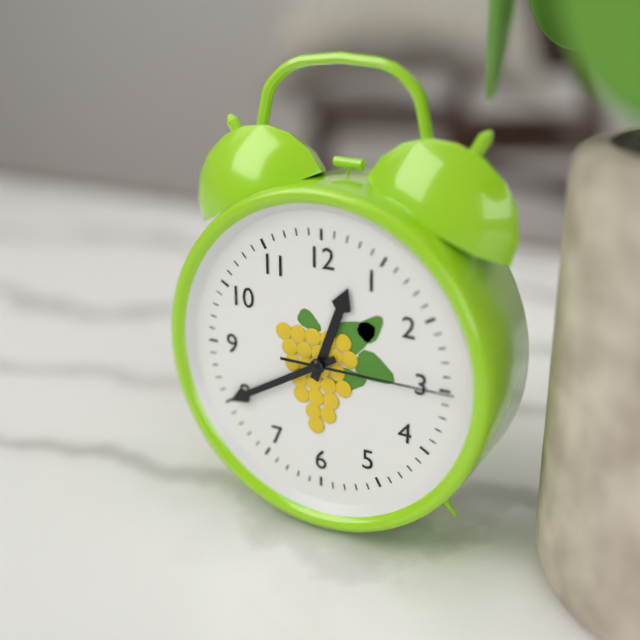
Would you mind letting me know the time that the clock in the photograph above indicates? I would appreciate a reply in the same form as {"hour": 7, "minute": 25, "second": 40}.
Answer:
{"hour": 12, "minute": 40, "second": 15}
